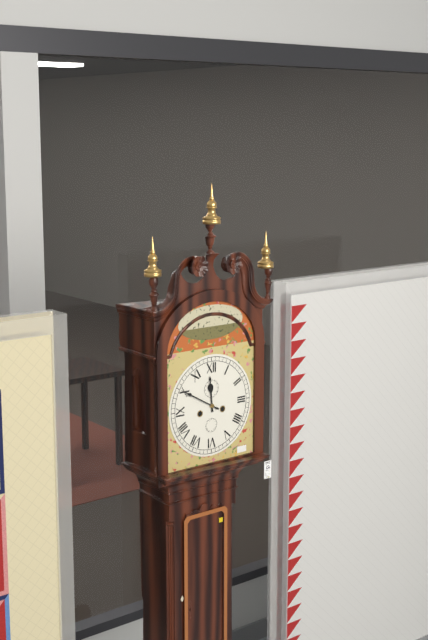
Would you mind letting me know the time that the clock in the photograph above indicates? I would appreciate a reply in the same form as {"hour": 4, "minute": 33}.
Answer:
{"hour": 11, "minute": 50}
